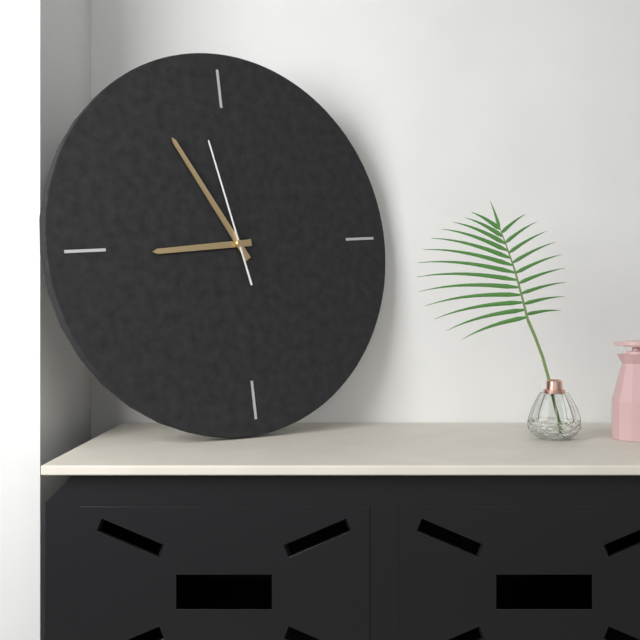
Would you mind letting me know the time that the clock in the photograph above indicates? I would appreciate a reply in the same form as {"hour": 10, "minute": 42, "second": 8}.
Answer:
{"hour": 8, "minute": 55, "second": 58}
